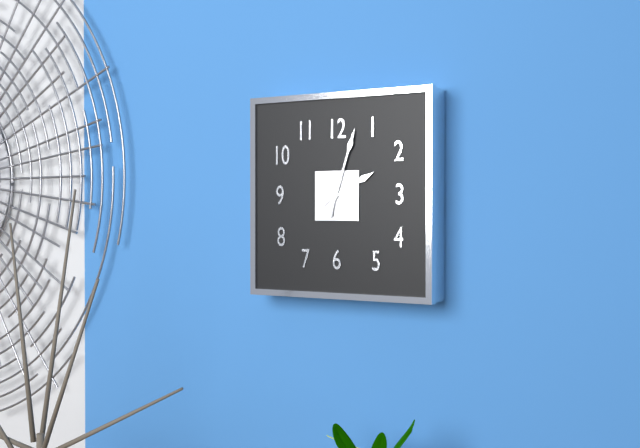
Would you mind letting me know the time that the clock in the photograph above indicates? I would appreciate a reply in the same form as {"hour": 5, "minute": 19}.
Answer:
{"hour": 2, "minute": 3}
